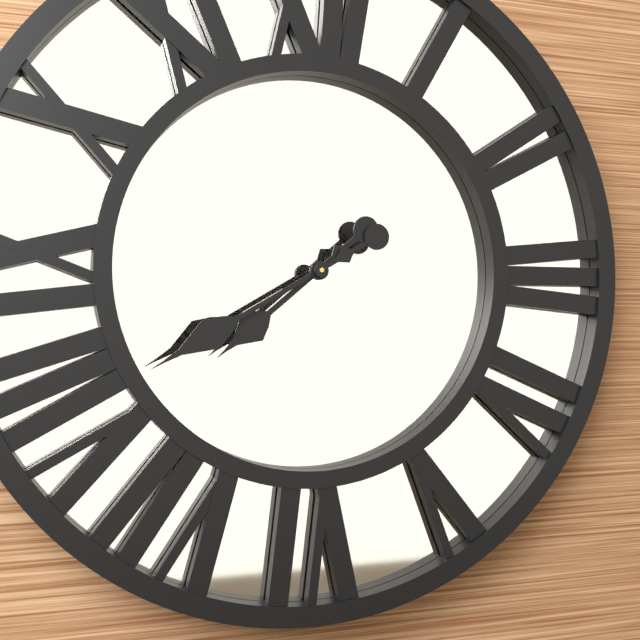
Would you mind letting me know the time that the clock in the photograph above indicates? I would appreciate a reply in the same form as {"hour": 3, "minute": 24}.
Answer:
{"hour": 7, "minute": 40}
